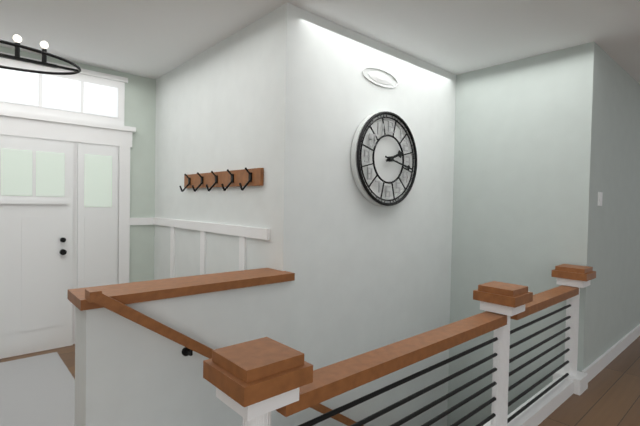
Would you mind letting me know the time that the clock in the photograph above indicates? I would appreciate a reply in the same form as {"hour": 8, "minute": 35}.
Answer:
{"hour": 2, "minute": 17}
